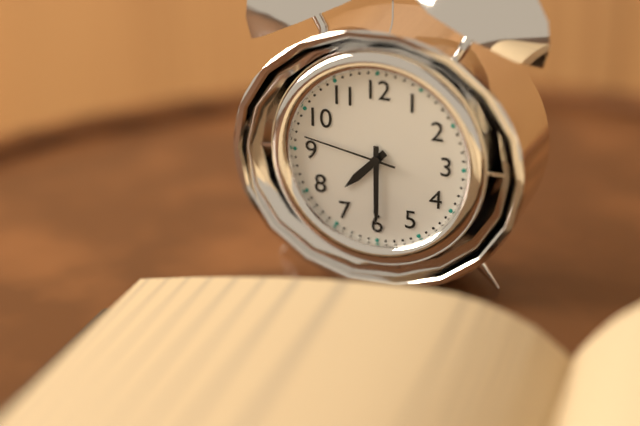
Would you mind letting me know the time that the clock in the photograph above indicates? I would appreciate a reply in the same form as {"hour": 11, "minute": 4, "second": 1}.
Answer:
{"hour": 7, "minute": 30, "second": 47}
